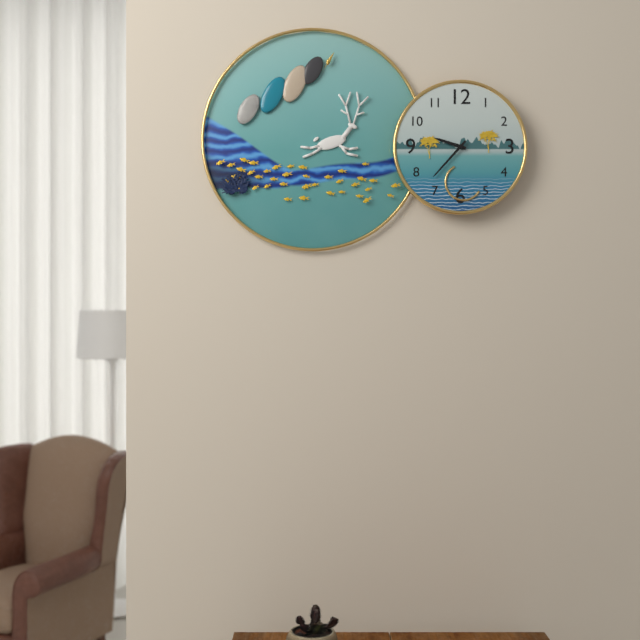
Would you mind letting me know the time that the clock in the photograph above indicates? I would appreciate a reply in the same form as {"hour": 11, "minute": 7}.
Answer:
{"hour": 9, "minute": 37}
